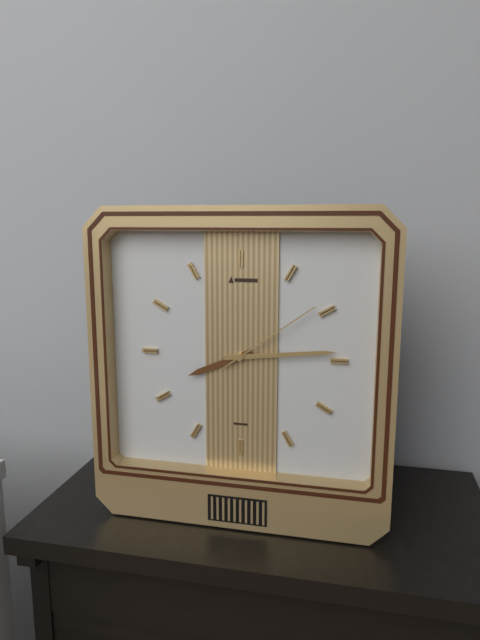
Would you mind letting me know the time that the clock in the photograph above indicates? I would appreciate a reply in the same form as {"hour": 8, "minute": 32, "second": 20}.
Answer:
{"hour": 8, "minute": 14, "second": 9}
